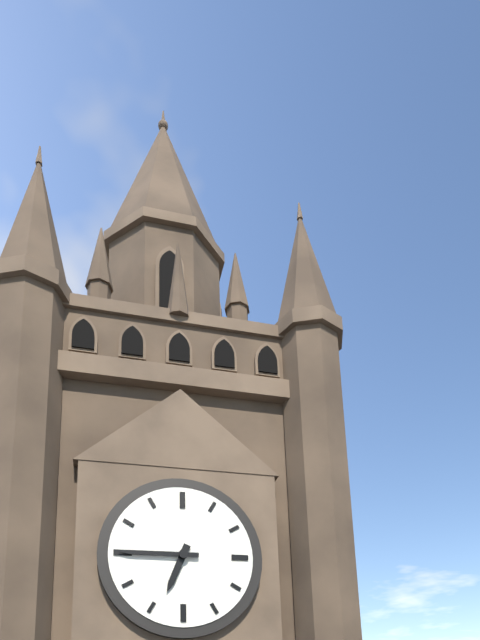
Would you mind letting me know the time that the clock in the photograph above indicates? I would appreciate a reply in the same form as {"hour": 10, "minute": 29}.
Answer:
{"hour": 6, "minute": 45}
